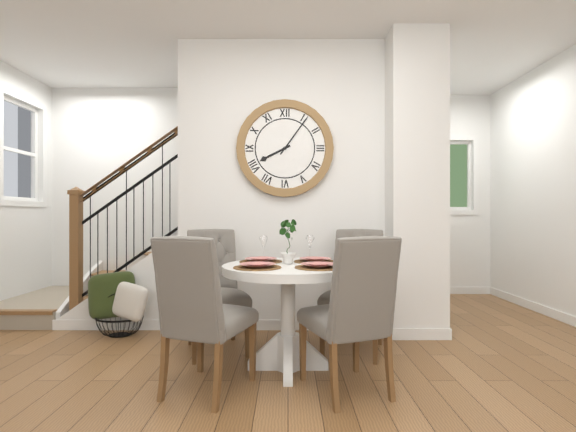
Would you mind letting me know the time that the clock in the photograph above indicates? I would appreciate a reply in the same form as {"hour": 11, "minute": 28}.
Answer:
{"hour": 8, "minute": 6}
